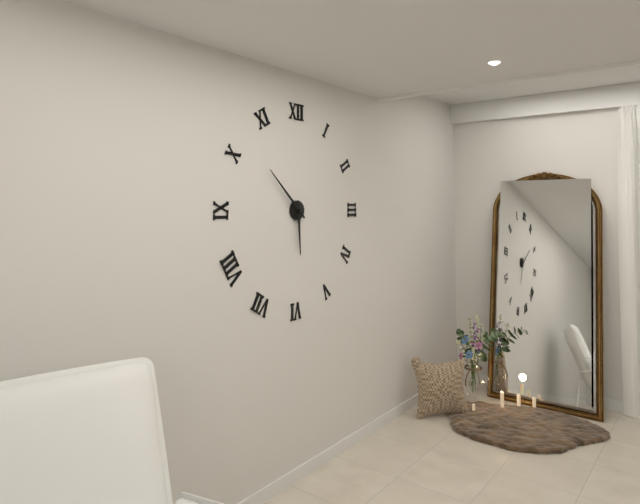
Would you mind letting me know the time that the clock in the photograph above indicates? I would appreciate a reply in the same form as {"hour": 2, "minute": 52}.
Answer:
{"hour": 5, "minute": 52}
